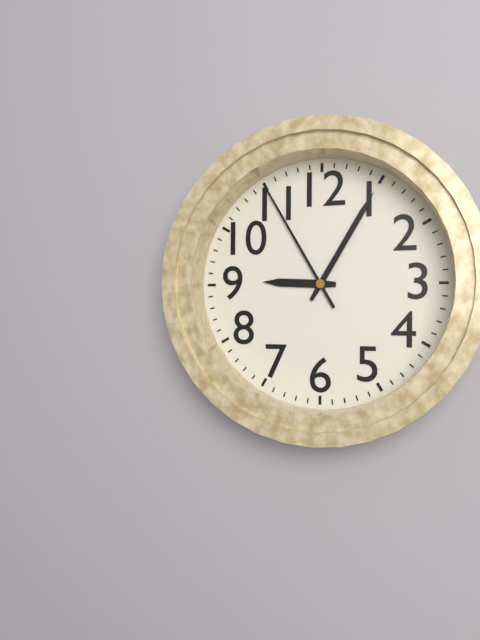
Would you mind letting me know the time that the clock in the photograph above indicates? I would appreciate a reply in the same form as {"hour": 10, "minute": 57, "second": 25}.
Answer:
{"hour": 9, "minute": 5, "second": 55}
